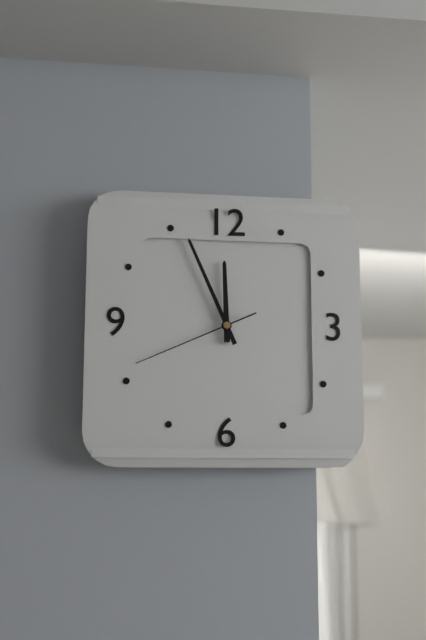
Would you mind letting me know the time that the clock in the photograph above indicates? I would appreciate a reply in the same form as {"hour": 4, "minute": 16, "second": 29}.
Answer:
{"hour": 11, "minute": 56, "second": 41}
